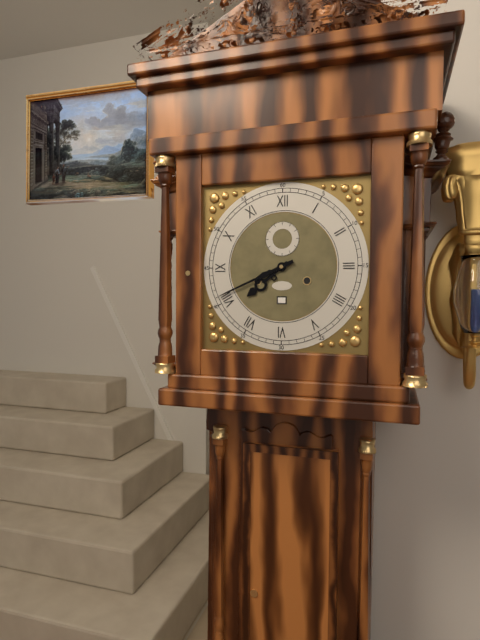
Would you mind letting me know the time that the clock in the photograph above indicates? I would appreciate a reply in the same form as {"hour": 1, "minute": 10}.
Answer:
{"hour": 7, "minute": 41}
